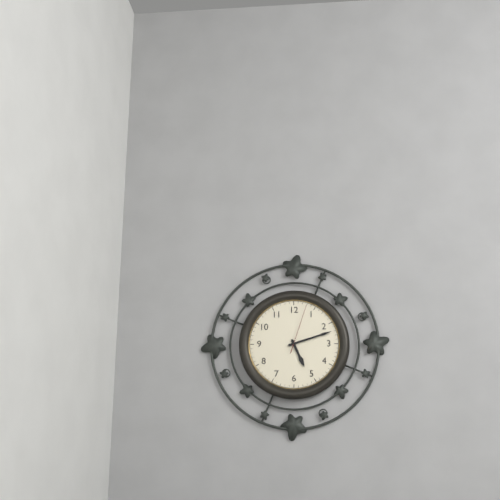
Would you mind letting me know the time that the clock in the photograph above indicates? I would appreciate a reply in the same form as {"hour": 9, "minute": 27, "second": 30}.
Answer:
{"hour": 5, "minute": 12, "second": 3}
